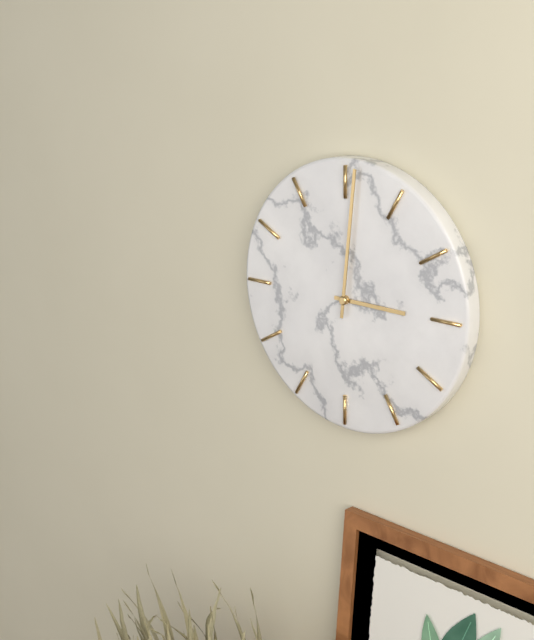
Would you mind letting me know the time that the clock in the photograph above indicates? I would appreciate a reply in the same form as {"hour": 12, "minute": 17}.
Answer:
{"hour": 3, "minute": 1}
